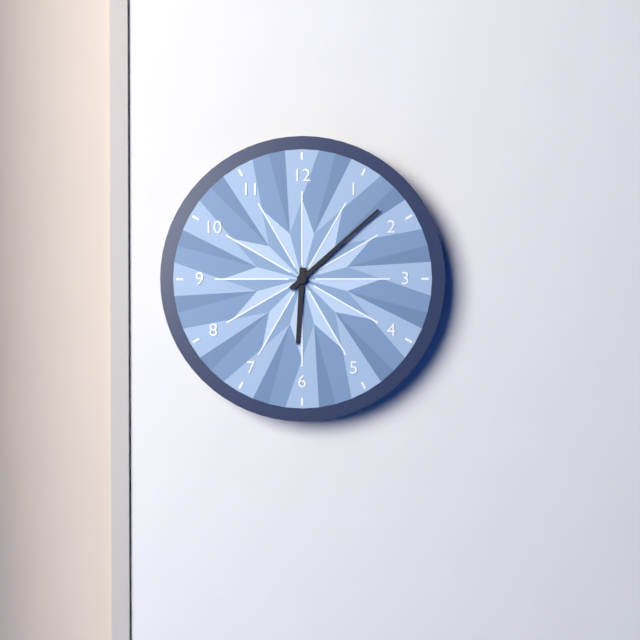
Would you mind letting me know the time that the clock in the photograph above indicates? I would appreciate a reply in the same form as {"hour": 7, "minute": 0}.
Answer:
{"hour": 6, "minute": 8}
